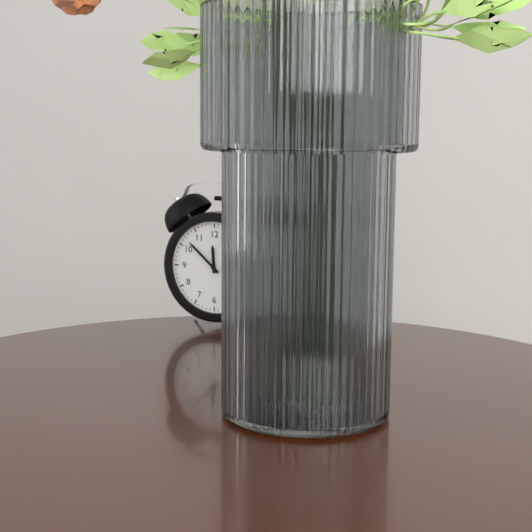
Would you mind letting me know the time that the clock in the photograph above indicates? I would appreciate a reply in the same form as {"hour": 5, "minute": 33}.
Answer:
{"hour": 11, "minute": 52}
